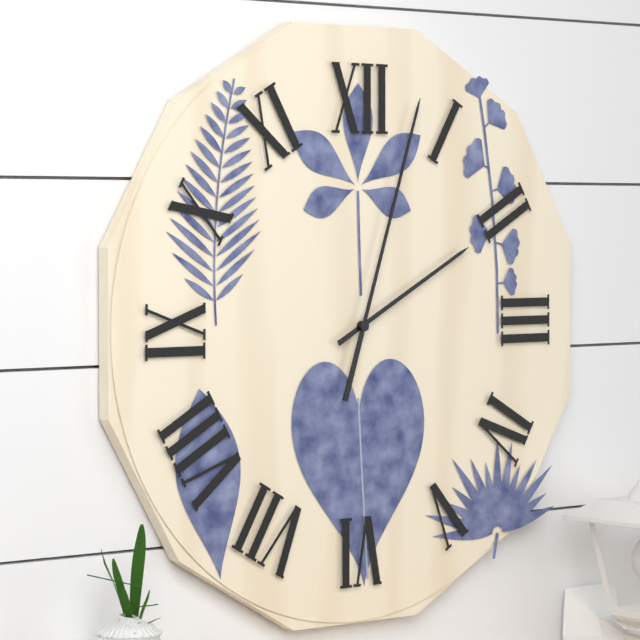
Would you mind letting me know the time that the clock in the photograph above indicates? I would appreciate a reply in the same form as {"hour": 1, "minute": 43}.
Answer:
{"hour": 2, "minute": 3}
